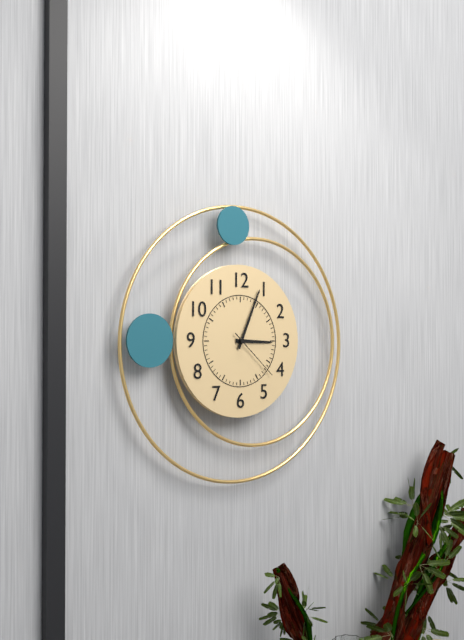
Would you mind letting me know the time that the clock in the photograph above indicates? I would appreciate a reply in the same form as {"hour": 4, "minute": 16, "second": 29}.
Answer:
{"hour": 3, "minute": 4, "second": 22}
